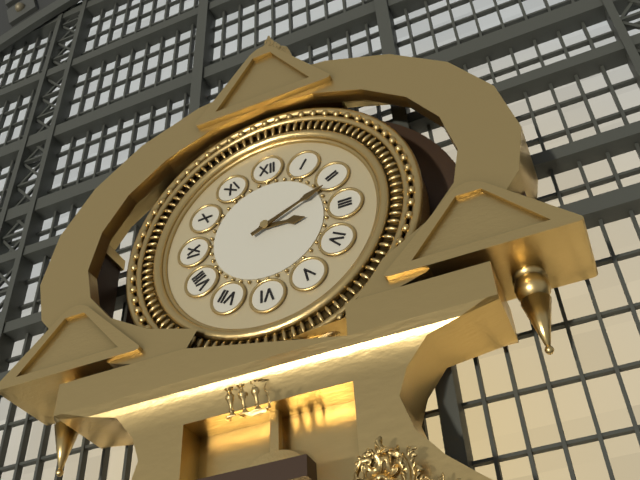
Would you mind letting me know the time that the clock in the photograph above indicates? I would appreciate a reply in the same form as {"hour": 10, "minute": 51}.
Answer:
{"hour": 3, "minute": 11}
